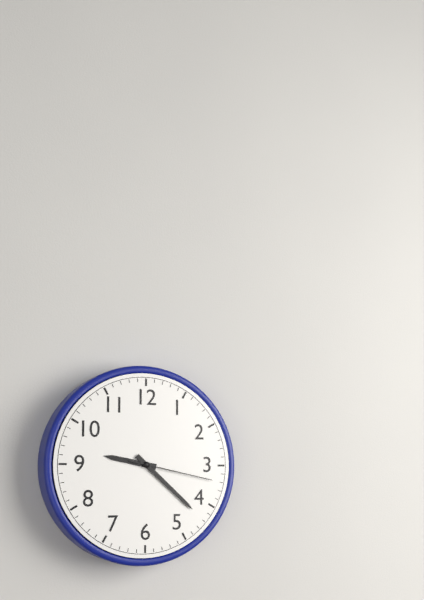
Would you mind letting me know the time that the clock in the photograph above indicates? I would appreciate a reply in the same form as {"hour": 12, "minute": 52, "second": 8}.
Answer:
{"hour": 9, "minute": 22, "second": 17}
